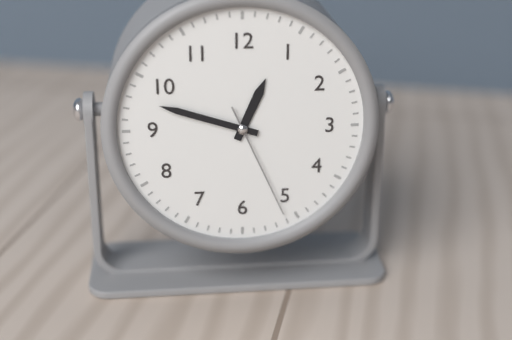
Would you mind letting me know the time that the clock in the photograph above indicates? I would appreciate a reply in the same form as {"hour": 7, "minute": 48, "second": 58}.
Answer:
{"hour": 12, "minute": 48, "second": 26}
